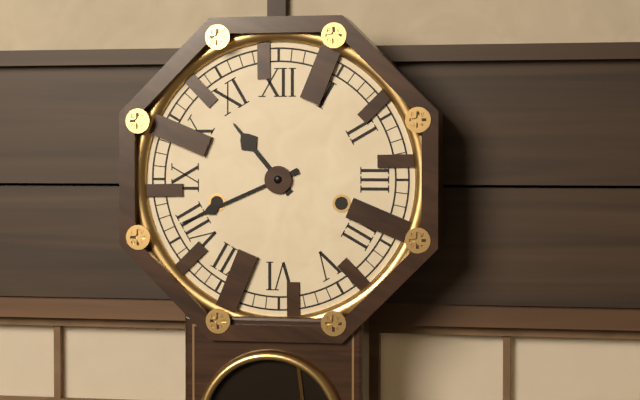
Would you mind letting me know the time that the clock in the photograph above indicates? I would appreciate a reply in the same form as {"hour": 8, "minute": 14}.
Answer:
{"hour": 10, "minute": 41}
